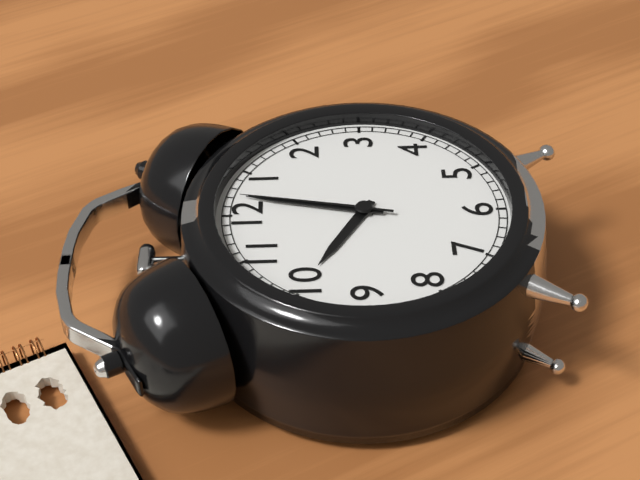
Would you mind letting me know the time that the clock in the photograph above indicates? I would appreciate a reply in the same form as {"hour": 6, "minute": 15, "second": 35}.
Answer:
{"hour": 10, "minute": 2, "second": 2}
